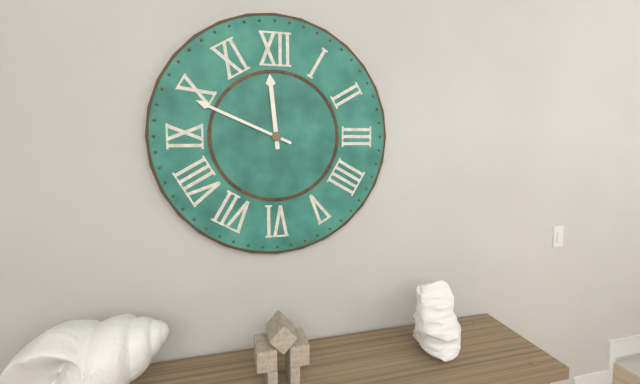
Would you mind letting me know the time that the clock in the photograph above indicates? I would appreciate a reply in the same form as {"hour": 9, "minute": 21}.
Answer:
{"hour": 11, "minute": 49}
